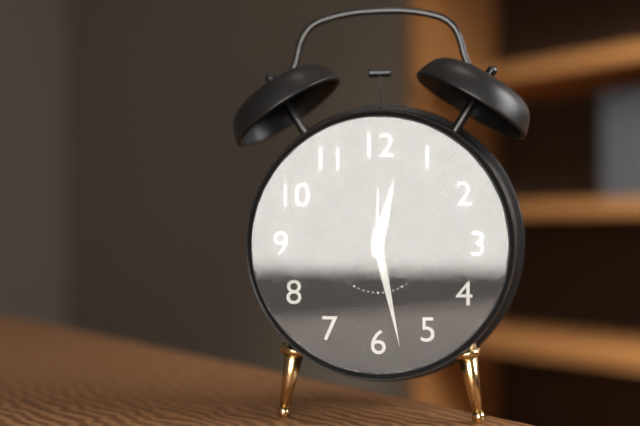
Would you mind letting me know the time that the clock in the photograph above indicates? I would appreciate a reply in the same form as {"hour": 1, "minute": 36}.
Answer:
{"hour": 12, "minute": 28}
